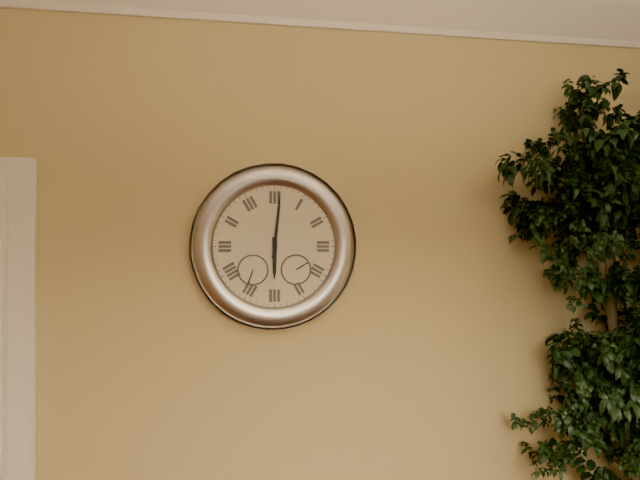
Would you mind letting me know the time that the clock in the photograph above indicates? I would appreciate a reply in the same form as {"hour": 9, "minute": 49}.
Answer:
{"hour": 6, "minute": 1}
